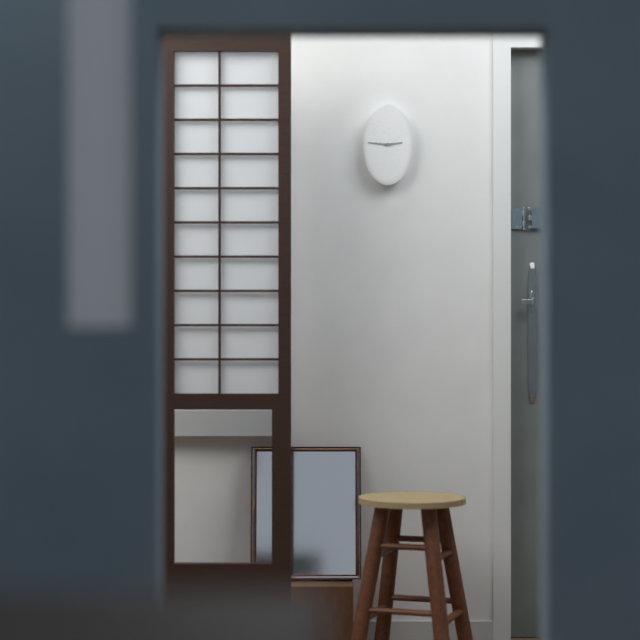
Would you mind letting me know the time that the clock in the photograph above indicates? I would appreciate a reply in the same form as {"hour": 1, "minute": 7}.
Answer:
{"hour": 2, "minute": 46}
